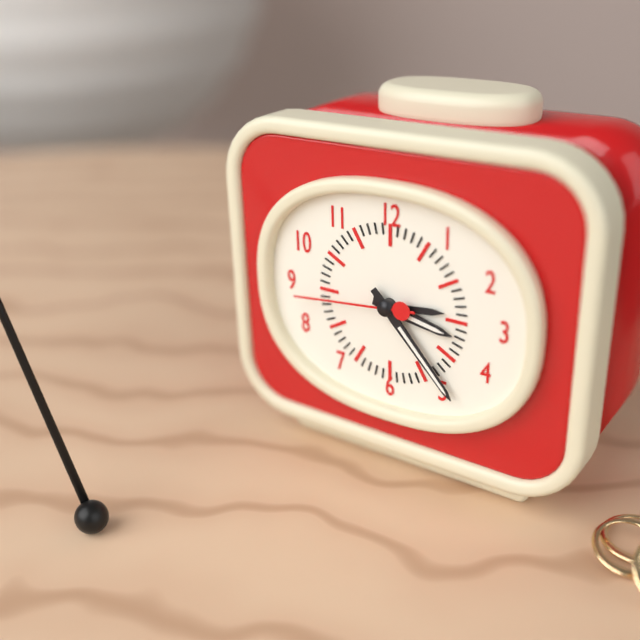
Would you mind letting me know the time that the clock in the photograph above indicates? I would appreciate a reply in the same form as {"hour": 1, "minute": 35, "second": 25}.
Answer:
{"hour": 3, "minute": 23, "second": 44}
